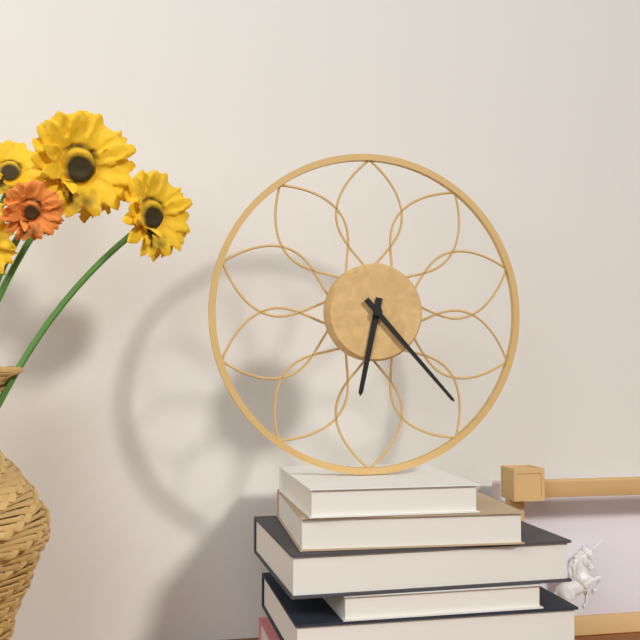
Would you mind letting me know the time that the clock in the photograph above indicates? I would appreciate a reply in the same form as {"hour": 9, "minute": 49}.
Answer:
{"hour": 6, "minute": 23}
